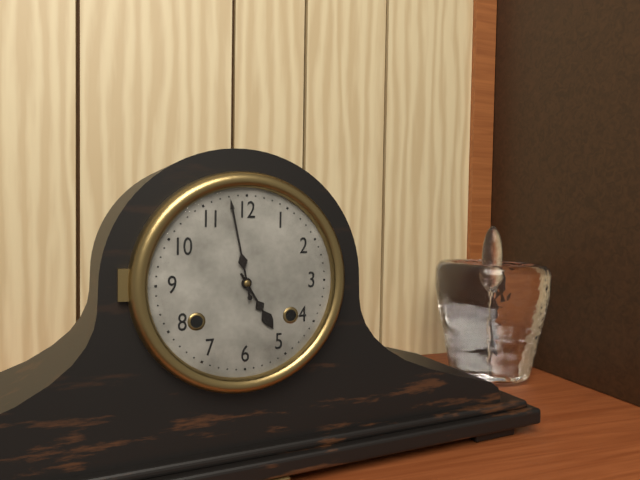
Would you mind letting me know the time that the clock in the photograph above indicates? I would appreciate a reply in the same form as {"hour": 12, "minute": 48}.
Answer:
{"hour": 4, "minute": 58}
